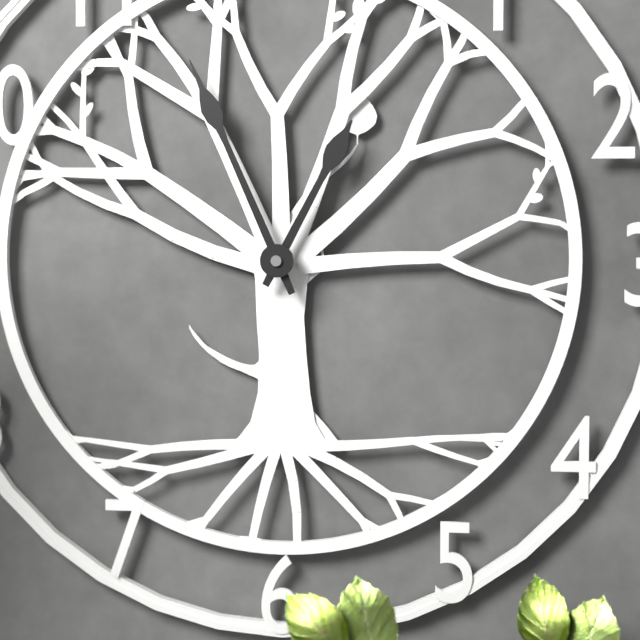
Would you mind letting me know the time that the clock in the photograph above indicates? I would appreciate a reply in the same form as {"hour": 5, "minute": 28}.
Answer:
{"hour": 12, "minute": 56}
